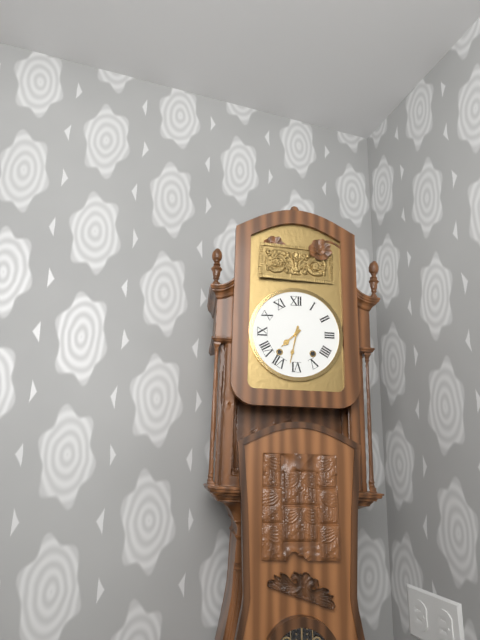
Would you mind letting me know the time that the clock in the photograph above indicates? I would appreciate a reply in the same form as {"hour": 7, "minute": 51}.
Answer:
{"hour": 7, "minute": 32}
